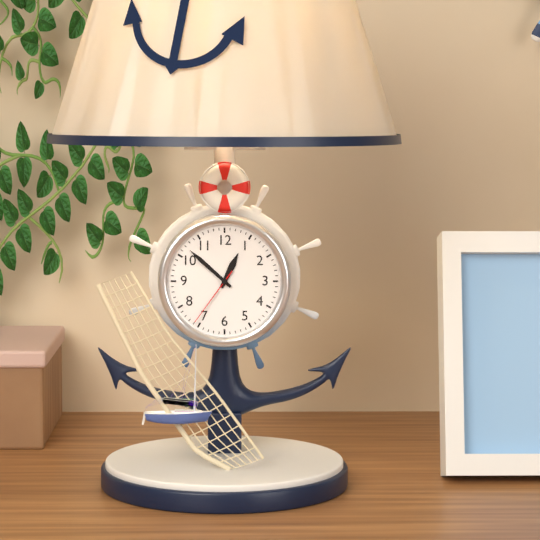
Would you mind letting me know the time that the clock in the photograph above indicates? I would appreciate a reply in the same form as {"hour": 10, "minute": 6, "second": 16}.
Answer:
{"hour": 12, "minute": 52, "second": 36}
